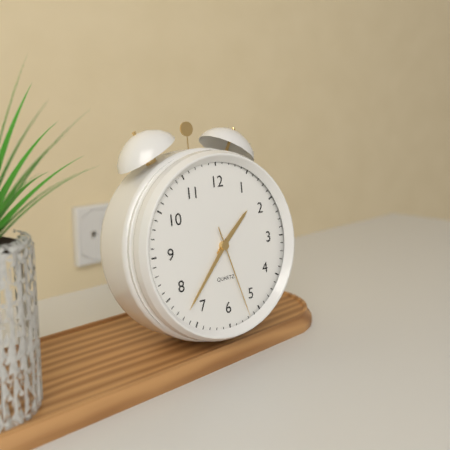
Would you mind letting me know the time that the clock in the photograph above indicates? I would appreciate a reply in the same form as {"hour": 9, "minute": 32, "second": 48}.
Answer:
{"hour": 1, "minute": 37, "second": 27}
